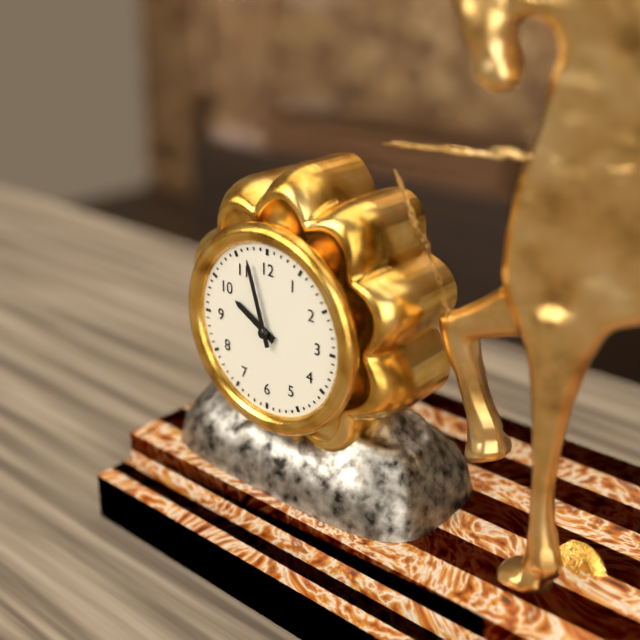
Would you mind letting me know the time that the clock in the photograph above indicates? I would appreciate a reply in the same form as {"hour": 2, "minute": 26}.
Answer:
{"hour": 9, "minute": 57}
